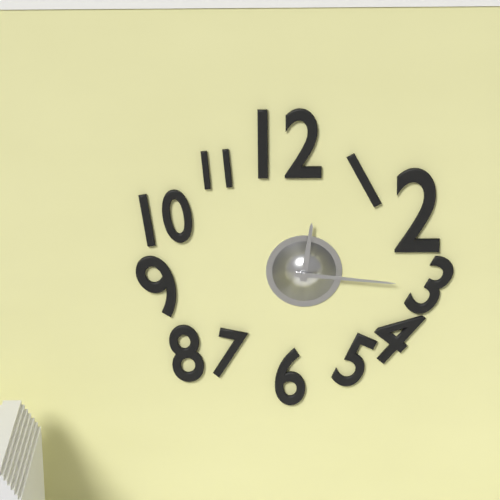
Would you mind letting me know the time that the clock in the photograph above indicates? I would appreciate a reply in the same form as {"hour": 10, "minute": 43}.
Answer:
{"hour": 12, "minute": 16}
